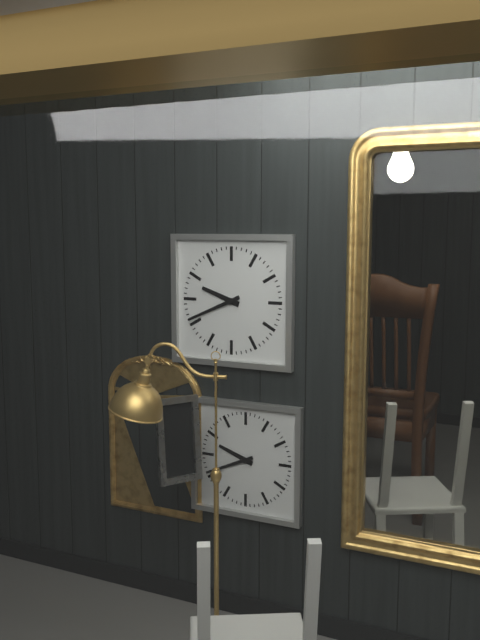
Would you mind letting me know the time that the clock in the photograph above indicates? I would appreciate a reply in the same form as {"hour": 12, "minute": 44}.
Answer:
{"hour": 9, "minute": 41}
